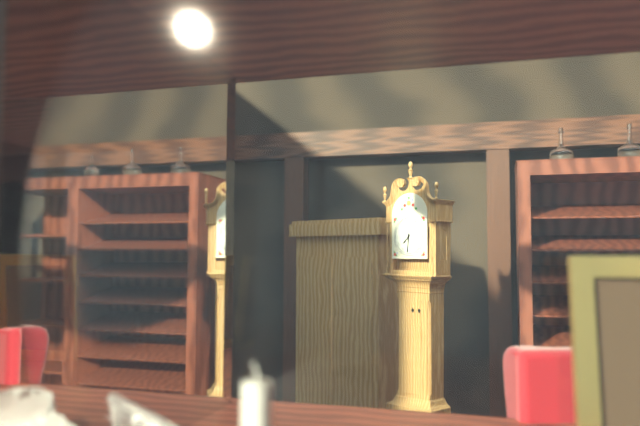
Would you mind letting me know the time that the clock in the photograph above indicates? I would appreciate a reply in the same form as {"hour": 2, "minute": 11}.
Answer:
{"hour": 7, "minute": 31}
